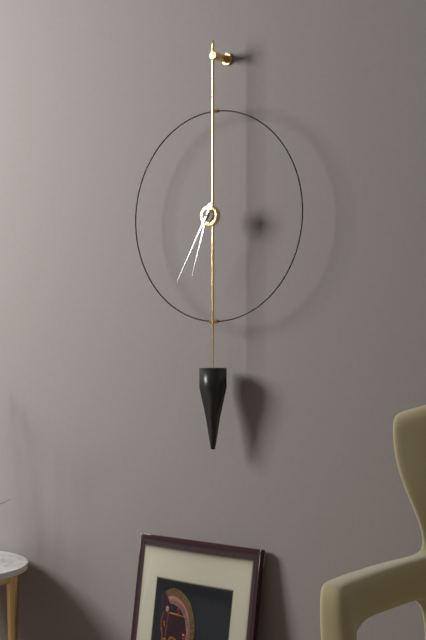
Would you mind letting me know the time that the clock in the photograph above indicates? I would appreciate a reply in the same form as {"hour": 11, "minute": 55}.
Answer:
{"hour": 6, "minute": 35}
